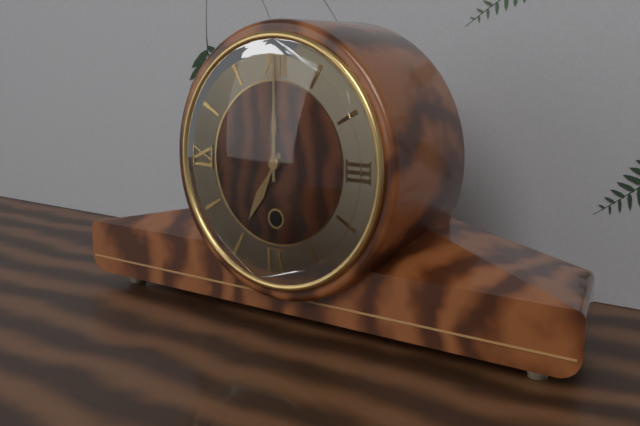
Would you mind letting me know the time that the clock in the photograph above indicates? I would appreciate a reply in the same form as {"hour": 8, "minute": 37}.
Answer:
{"hour": 7, "minute": 0}
